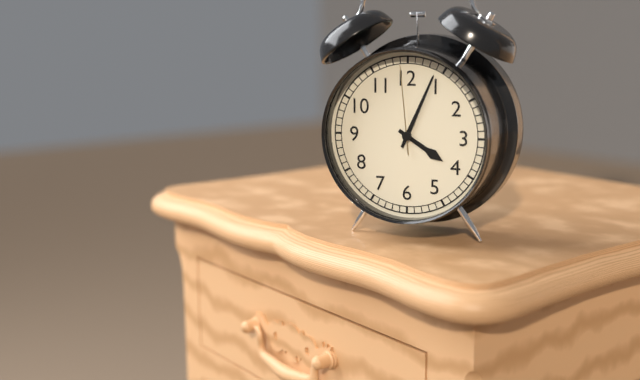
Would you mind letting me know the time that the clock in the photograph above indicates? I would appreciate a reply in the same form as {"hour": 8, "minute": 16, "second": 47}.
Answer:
{"hour": 4, "minute": 4, "second": 59}
